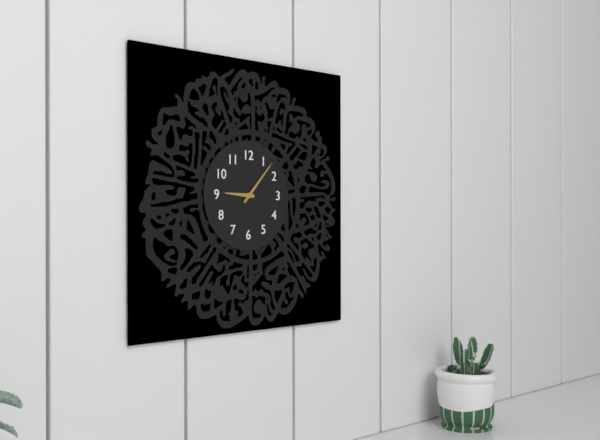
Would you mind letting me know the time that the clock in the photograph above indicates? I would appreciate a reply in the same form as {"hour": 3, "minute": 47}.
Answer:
{"hour": 9, "minute": 7}
